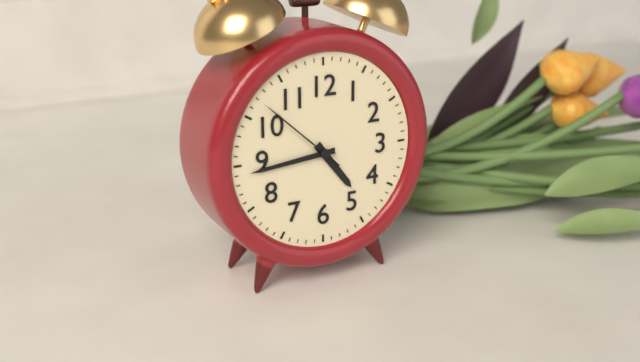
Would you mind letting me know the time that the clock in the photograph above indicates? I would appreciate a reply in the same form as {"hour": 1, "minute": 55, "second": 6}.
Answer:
{"hour": 4, "minute": 44, "second": 52}
